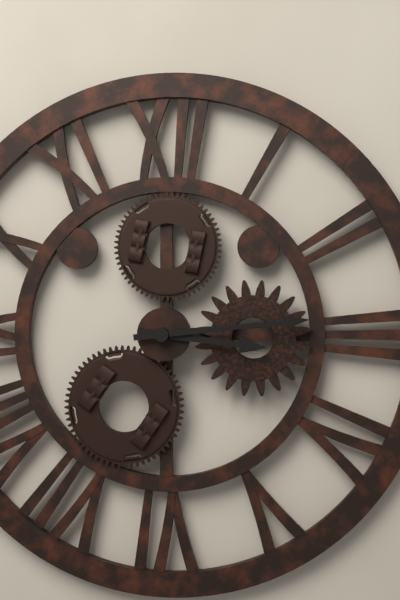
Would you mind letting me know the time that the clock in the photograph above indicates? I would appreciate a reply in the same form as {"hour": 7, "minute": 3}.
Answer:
{"hour": 3, "minute": 14}
